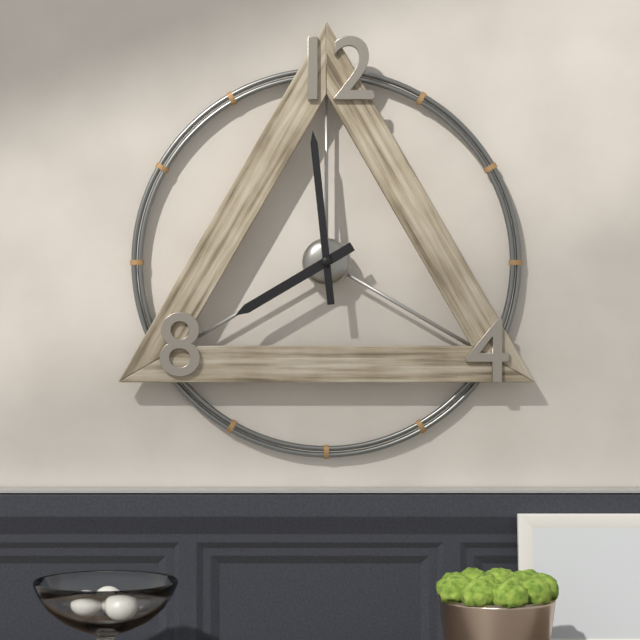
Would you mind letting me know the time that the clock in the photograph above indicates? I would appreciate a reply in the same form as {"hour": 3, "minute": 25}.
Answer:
{"hour": 7, "minute": 59}
